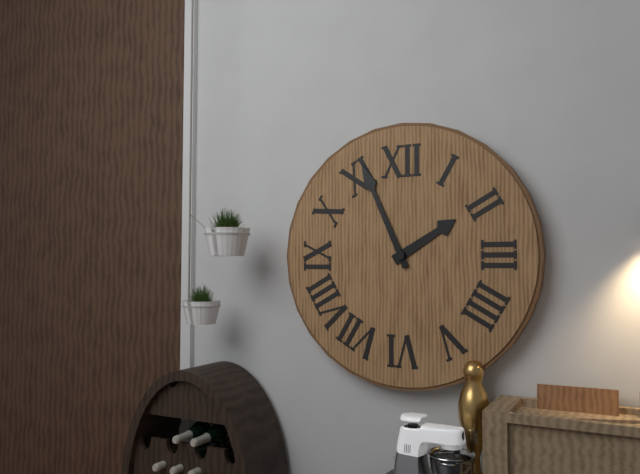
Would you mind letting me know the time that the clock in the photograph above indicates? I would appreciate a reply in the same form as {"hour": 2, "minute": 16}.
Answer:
{"hour": 1, "minute": 56}
